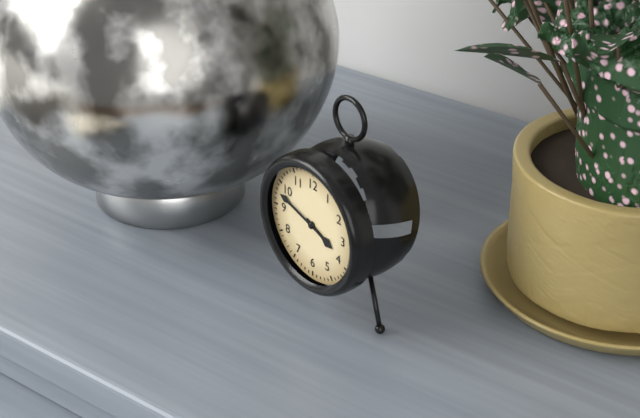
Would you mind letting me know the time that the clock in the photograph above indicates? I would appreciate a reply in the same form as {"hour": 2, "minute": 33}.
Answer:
{"hour": 3, "minute": 48}
